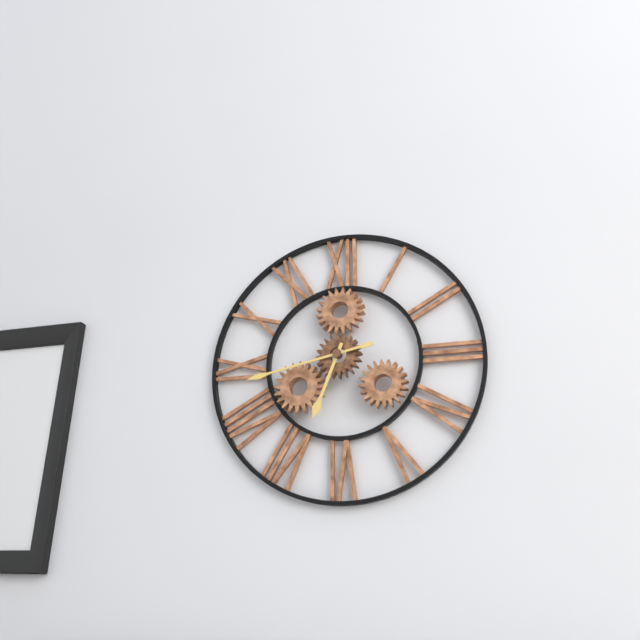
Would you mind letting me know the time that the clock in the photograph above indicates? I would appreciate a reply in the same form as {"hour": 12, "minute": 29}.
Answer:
{"hour": 6, "minute": 43}
